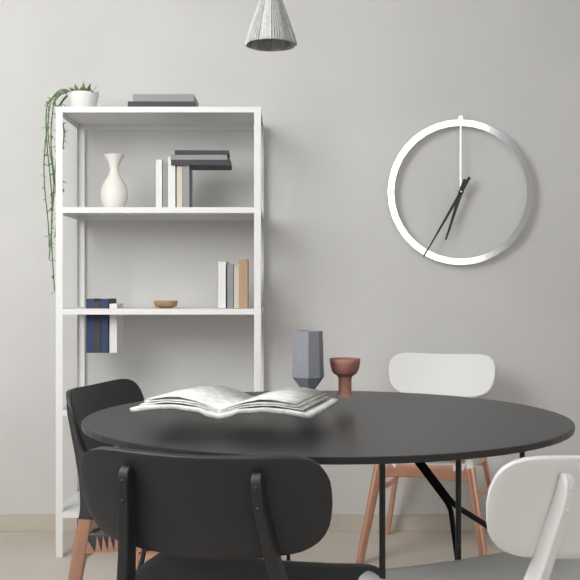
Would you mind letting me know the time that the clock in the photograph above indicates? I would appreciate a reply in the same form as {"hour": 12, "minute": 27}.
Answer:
{"hour": 6, "minute": 35}
